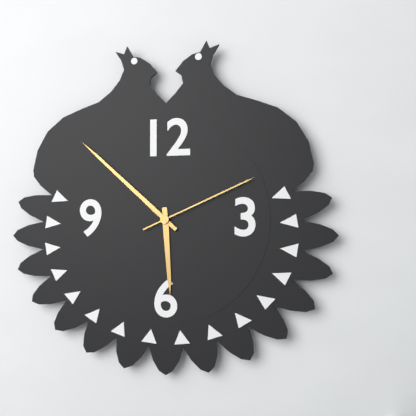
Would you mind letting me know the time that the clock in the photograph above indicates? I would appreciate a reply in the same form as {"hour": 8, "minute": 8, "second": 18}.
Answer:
{"hour": 5, "minute": 52, "second": 11}
